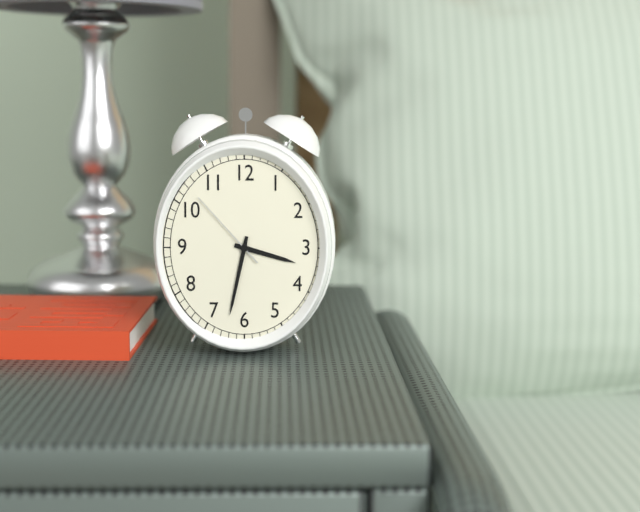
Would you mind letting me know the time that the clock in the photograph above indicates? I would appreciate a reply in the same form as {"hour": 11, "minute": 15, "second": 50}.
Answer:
{"hour": 3, "minute": 32, "second": 53}
